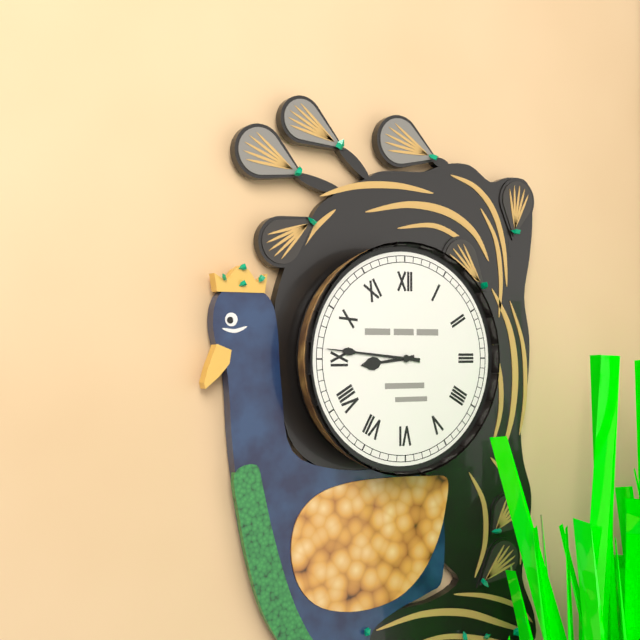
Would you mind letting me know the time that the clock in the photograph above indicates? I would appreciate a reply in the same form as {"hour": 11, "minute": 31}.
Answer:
{"hour": 8, "minute": 46}
